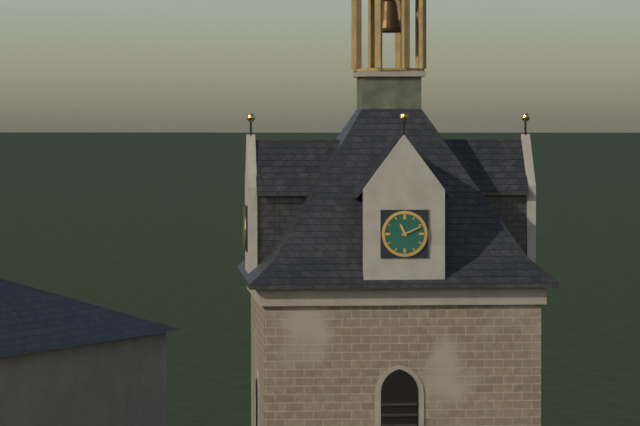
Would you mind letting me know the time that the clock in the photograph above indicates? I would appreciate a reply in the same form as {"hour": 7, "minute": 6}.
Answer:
{"hour": 11, "minute": 11}
